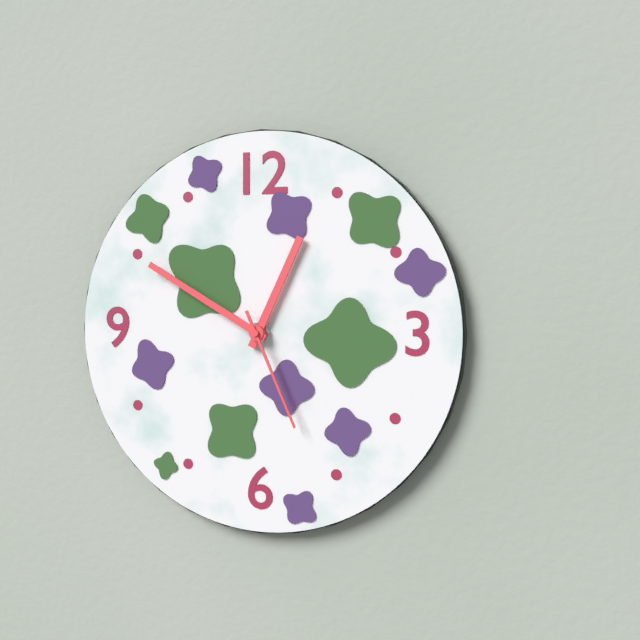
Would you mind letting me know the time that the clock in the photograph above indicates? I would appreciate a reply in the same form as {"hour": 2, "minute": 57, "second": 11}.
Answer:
{"hour": 12, "minute": 50, "second": 26}
